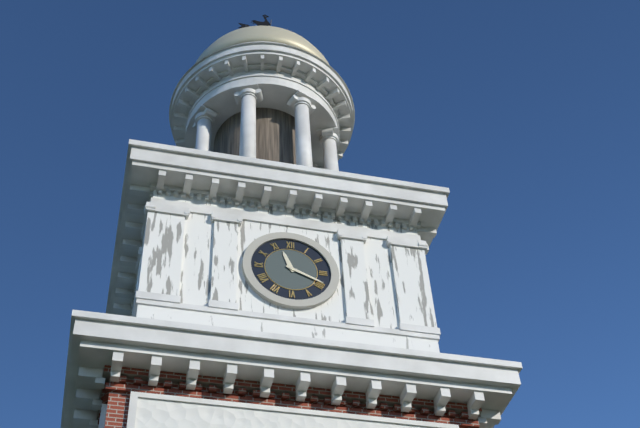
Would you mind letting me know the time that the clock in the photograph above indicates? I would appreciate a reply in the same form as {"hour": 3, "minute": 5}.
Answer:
{"hour": 11, "minute": 19}
